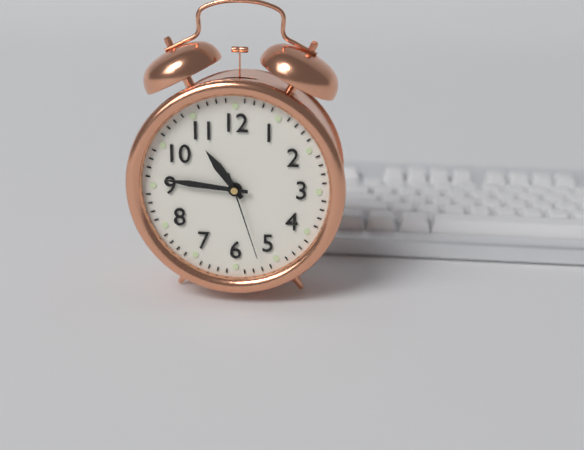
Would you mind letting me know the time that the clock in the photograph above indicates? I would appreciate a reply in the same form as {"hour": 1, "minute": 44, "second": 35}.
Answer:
{"hour": 10, "minute": 46, "second": 27}
